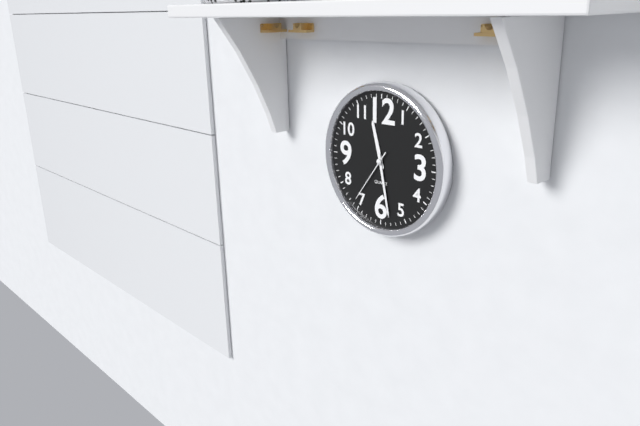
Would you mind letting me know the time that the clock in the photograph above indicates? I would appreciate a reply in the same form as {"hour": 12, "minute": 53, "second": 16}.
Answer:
{"hour": 11, "minute": 28, "second": 36}
